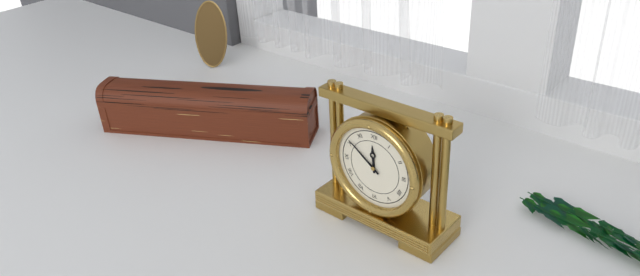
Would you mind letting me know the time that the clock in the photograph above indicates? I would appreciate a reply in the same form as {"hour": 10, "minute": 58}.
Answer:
{"hour": 11, "minute": 51}
